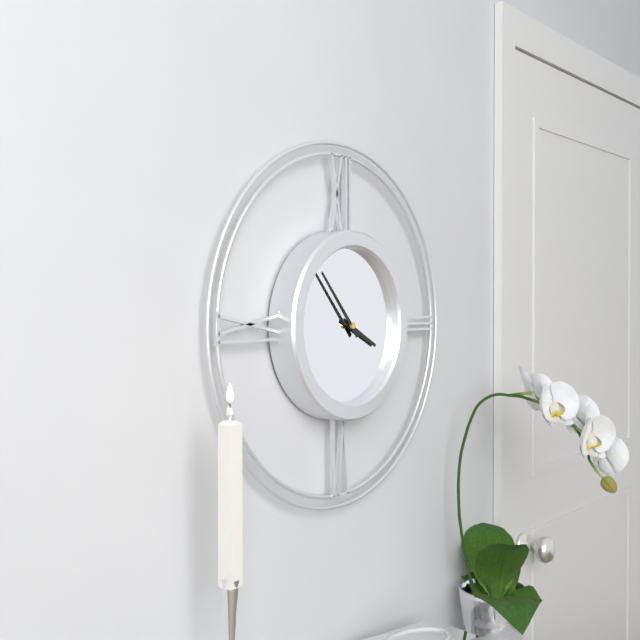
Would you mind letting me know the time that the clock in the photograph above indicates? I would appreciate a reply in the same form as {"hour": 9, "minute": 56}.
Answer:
{"hour": 3, "minute": 53}
